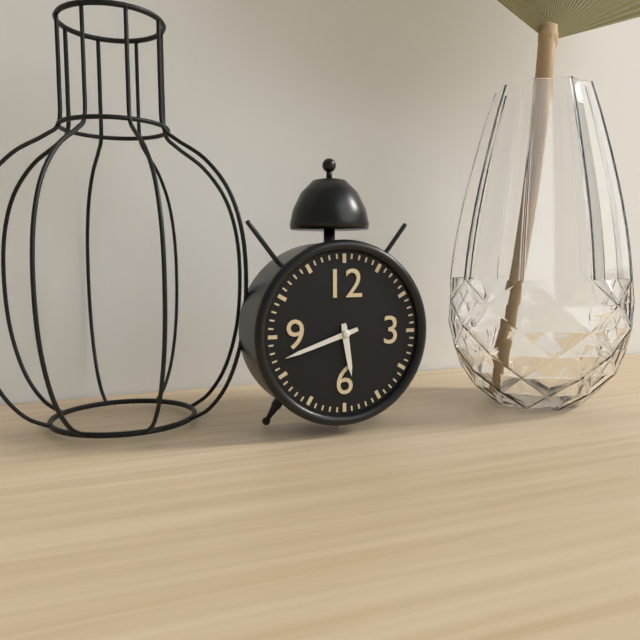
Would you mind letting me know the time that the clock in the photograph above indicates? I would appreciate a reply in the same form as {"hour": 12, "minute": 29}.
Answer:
{"hour": 5, "minute": 42}
